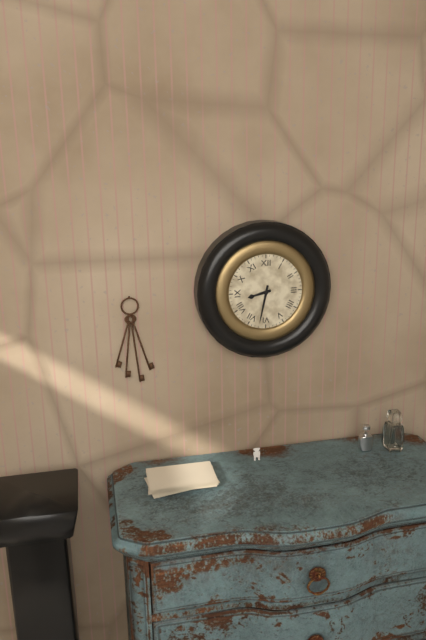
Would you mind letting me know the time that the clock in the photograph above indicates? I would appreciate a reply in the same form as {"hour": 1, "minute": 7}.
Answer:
{"hour": 8, "minute": 32}
